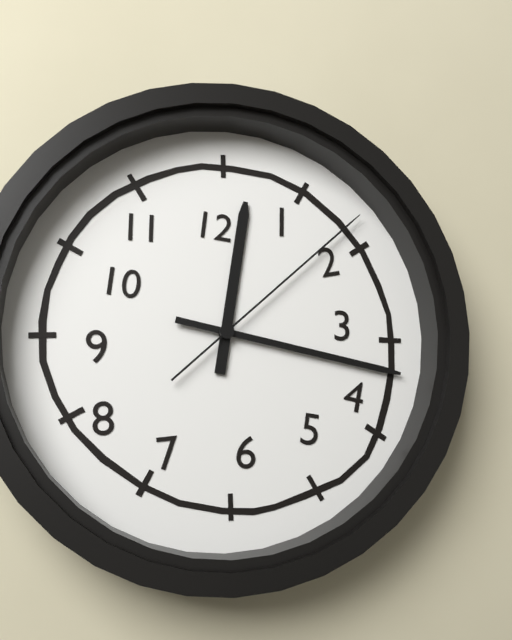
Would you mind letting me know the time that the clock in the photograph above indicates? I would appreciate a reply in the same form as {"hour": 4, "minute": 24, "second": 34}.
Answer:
{"hour": 12, "minute": 17, "second": 8}
